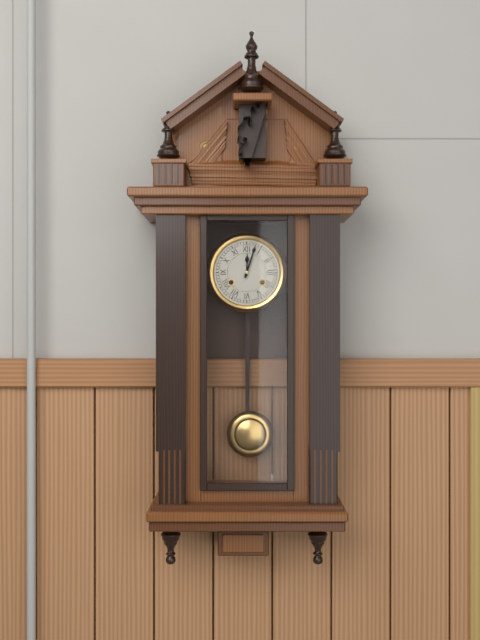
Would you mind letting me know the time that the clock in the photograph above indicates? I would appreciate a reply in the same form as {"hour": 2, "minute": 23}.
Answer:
{"hour": 12, "minute": 3}
